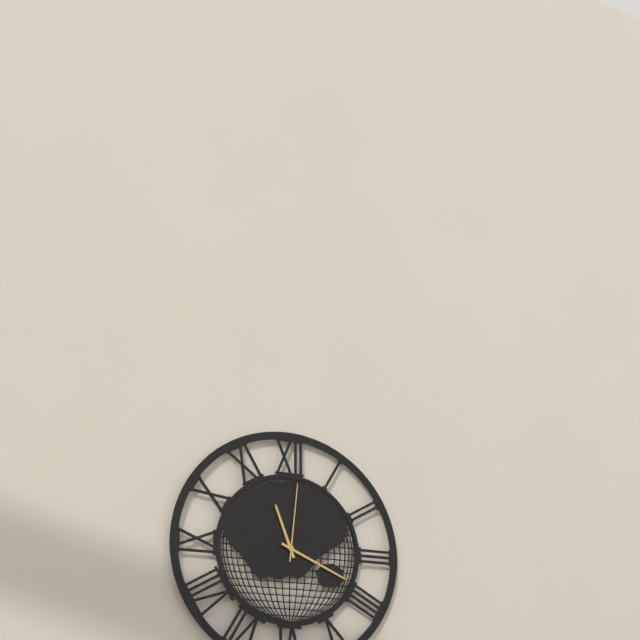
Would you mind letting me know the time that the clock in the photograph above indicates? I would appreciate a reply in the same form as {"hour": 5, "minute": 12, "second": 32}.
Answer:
{"hour": 11, "minute": 19, "second": 1}
